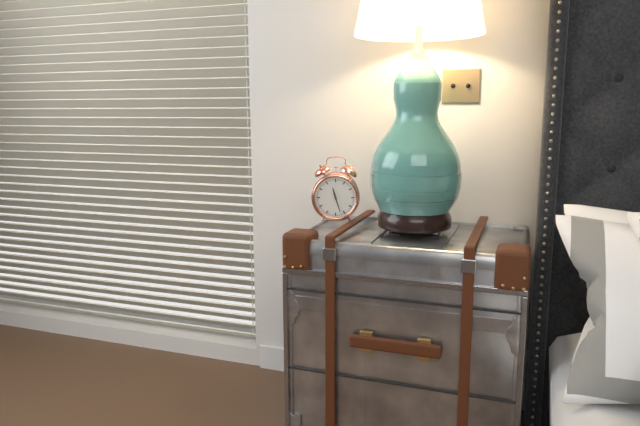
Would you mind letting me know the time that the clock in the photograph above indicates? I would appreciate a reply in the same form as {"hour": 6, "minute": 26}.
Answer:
{"hour": 11, "minute": 27}
